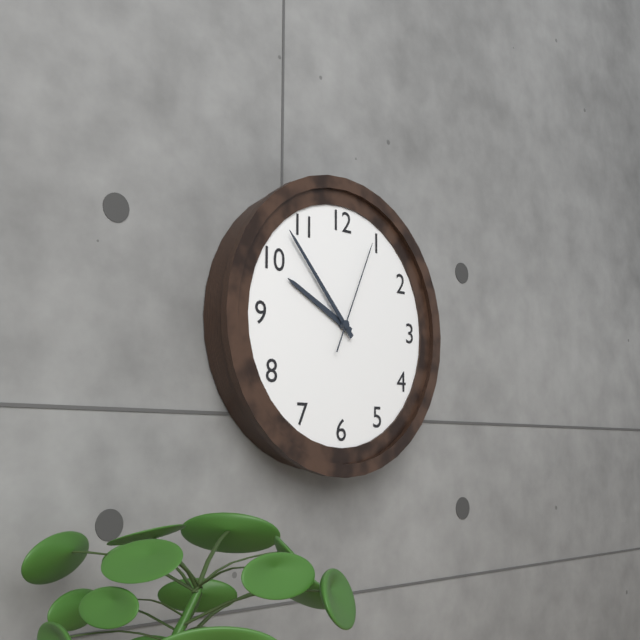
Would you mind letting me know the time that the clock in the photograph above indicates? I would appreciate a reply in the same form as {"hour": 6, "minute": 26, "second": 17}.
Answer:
{"hour": 9, "minute": 53, "second": 4}
